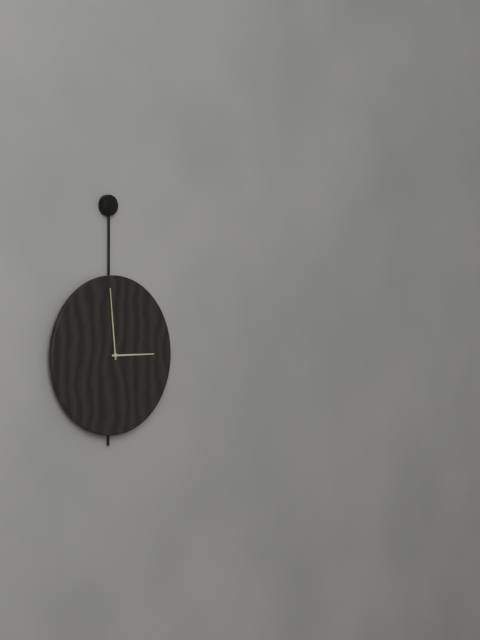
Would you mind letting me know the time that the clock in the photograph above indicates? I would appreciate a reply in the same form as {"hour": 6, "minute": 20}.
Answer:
{"hour": 2, "minute": 59}
